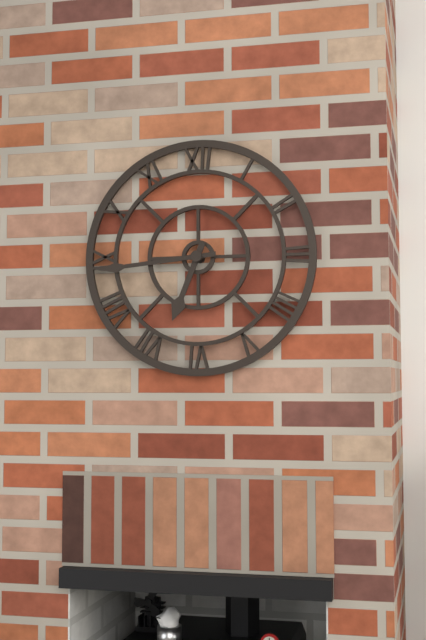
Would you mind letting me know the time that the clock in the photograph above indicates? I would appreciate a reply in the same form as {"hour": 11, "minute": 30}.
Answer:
{"hour": 6, "minute": 44}
